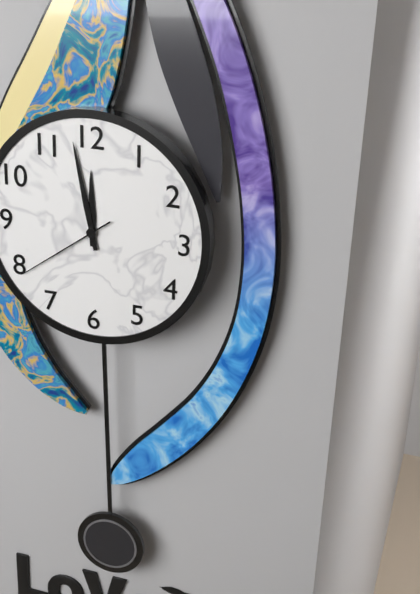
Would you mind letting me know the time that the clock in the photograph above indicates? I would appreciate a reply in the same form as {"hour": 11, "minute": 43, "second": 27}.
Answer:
{"hour": 11, "minute": 58, "second": 39}
